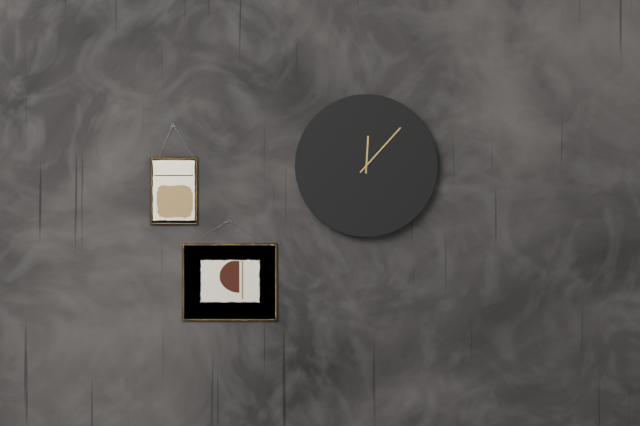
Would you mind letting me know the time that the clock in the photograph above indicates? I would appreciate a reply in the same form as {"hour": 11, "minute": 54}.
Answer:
{"hour": 12, "minute": 7}
